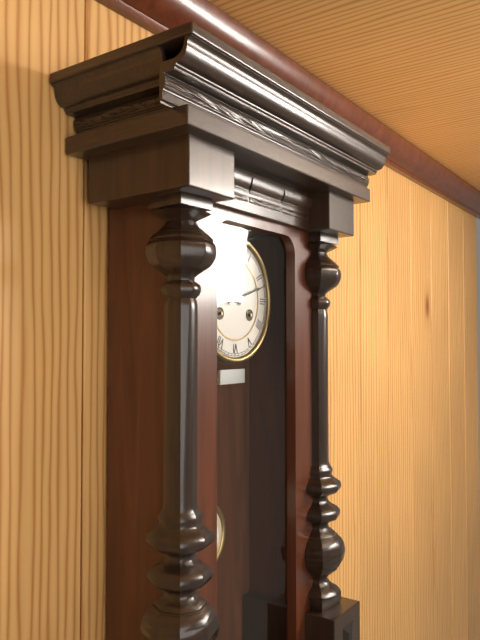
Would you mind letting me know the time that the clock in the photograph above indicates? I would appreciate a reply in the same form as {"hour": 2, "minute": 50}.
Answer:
{"hour": 10, "minute": 12}
